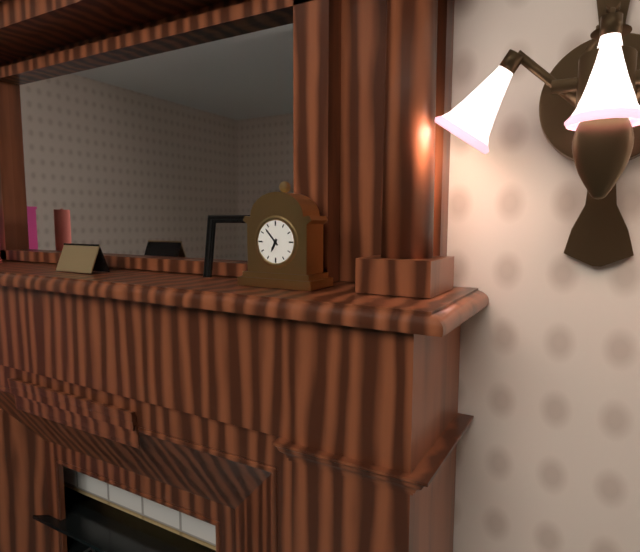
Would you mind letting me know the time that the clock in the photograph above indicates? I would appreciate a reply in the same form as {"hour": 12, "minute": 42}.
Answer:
{"hour": 6, "minute": 53}
